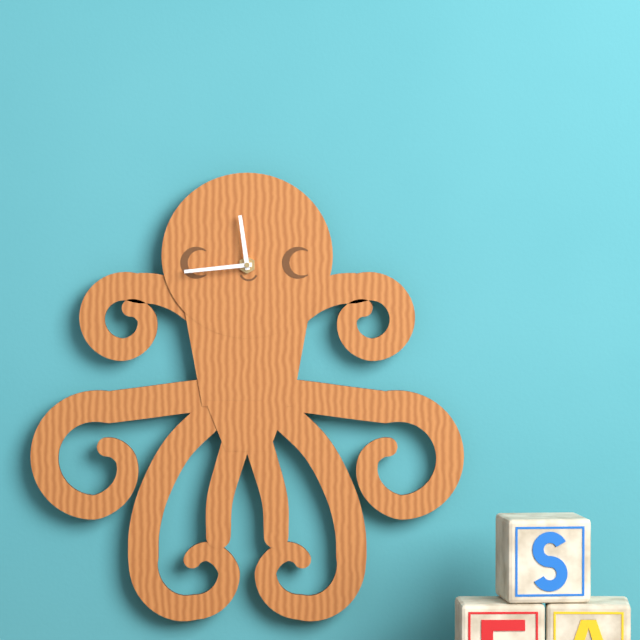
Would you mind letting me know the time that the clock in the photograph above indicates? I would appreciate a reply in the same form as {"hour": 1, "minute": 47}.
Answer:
{"hour": 11, "minute": 44}
